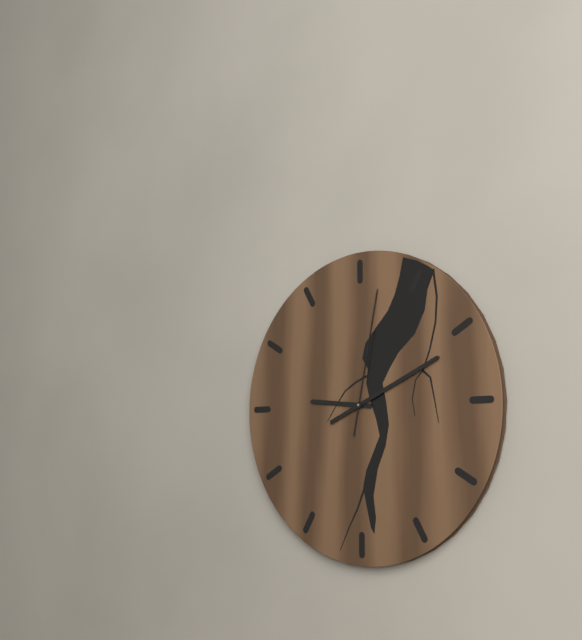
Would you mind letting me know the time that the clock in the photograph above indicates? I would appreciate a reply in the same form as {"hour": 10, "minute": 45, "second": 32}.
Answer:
{"hour": 9, "minute": 11, "second": 2}
